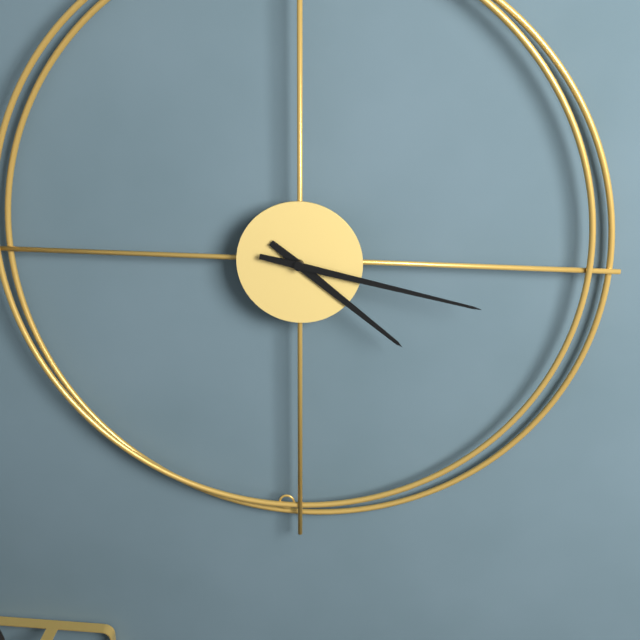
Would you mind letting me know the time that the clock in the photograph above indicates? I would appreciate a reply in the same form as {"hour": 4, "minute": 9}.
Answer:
{"hour": 4, "minute": 17}
